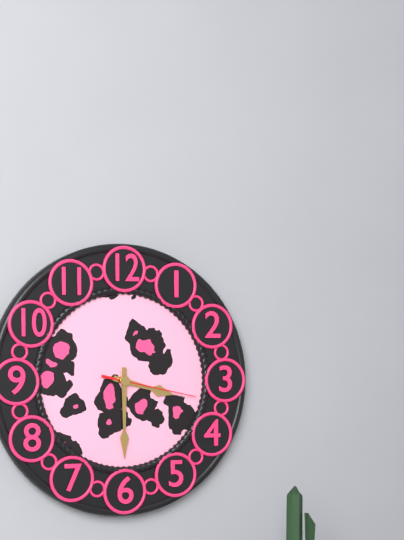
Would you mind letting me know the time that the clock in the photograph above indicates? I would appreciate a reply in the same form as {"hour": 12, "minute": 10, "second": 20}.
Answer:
{"hour": 3, "minute": 30, "second": 17}
